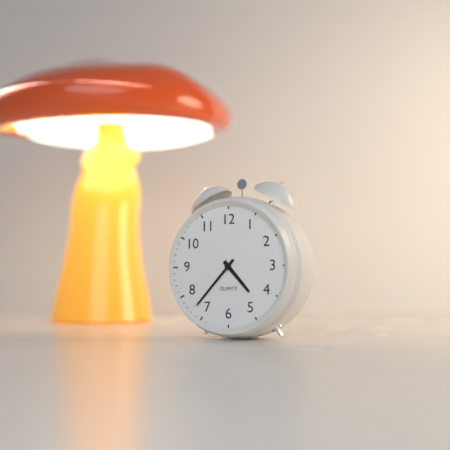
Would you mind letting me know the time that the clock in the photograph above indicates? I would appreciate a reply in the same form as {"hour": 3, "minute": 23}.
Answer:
{"hour": 4, "minute": 37}
